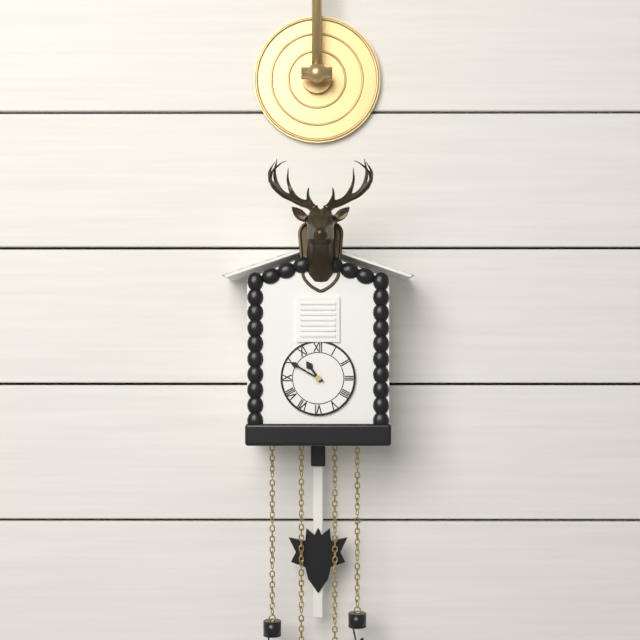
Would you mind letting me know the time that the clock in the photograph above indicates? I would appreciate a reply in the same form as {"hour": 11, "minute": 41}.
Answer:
{"hour": 10, "minute": 50}
